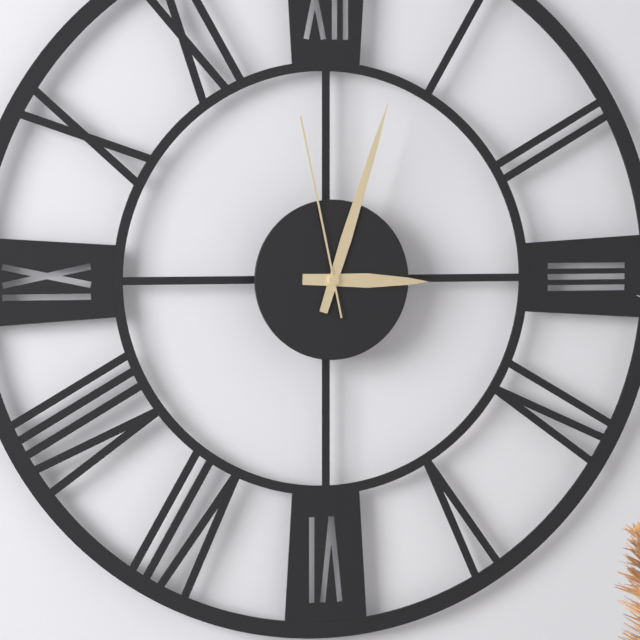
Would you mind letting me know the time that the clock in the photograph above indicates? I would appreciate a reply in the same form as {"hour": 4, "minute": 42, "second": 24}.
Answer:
{"hour": 3, "minute": 3, "second": 58}
